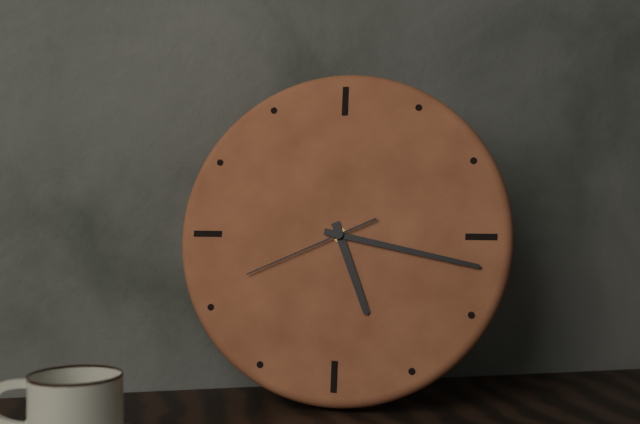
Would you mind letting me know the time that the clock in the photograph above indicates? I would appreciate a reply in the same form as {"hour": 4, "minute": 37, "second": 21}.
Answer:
{"hour": 5, "minute": 17, "second": 41}
